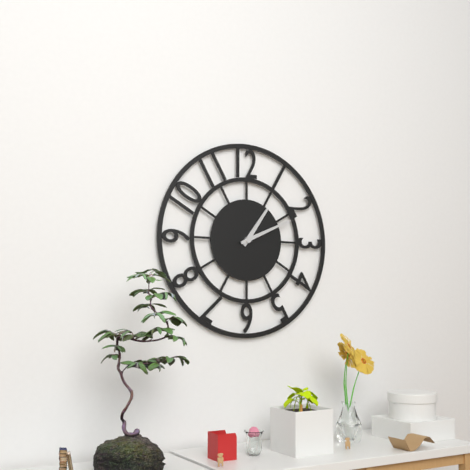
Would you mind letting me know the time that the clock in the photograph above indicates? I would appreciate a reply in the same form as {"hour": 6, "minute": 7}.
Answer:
{"hour": 1, "minute": 11}
